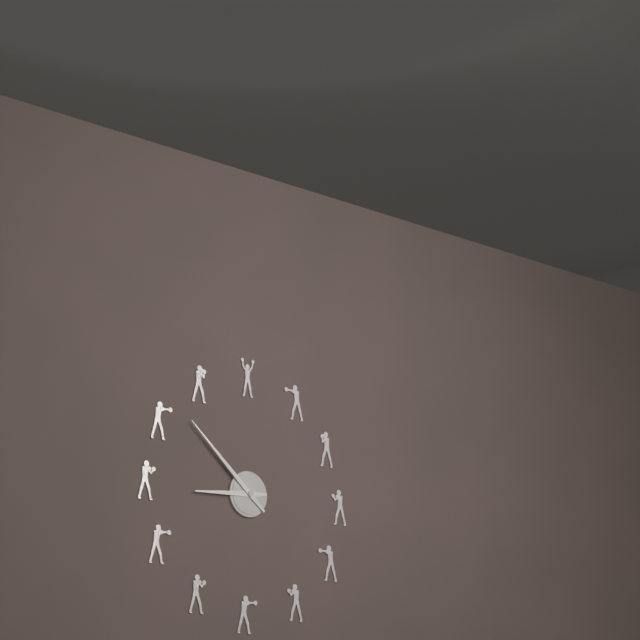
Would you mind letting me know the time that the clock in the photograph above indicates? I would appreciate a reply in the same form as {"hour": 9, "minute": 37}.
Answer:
{"hour": 8, "minute": 52}
